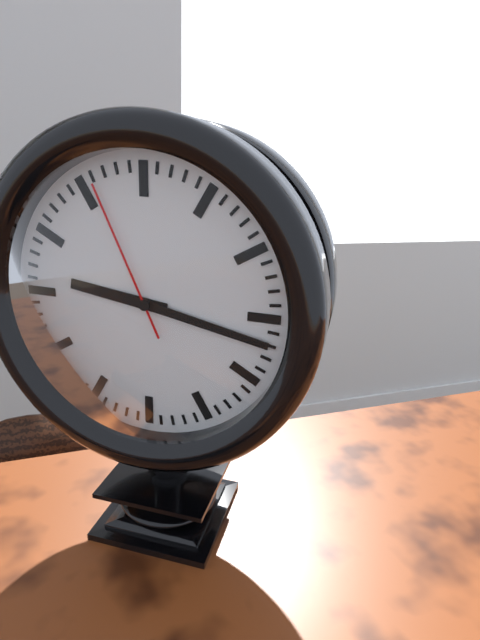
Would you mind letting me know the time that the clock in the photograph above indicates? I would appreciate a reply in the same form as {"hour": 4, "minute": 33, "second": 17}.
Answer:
{"hour": 9, "minute": 17, "second": 56}
